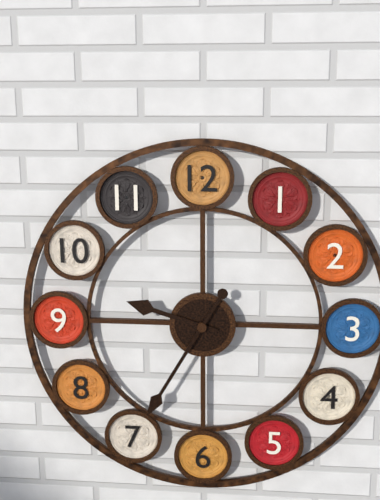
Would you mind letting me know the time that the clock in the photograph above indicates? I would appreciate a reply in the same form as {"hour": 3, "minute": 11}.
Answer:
{"hour": 9, "minute": 35}
